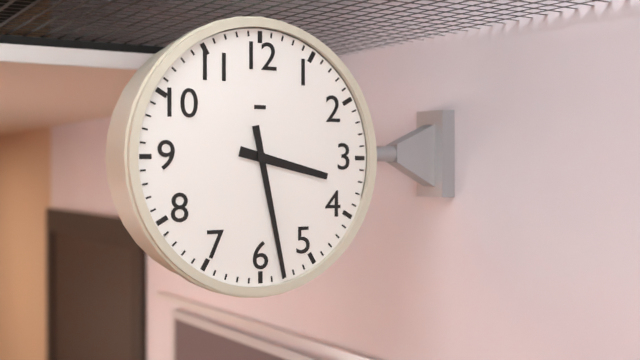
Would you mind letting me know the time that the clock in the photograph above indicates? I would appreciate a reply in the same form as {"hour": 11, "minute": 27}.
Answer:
{"hour": 3, "minute": 28}
